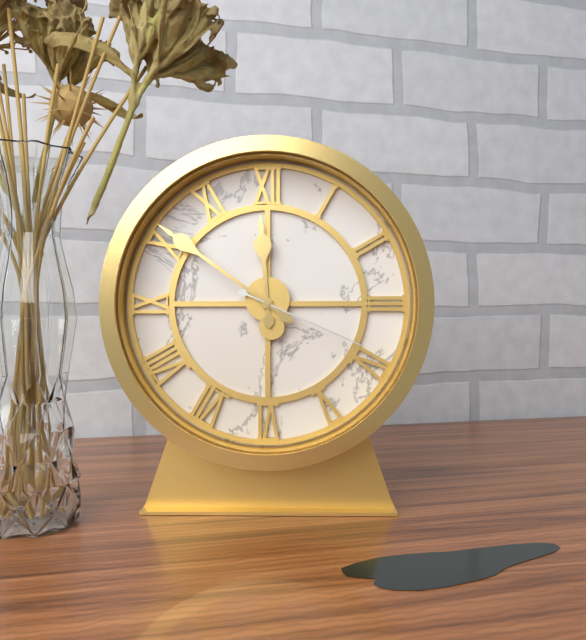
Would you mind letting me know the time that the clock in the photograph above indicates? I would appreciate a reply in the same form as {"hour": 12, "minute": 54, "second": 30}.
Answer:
{"hour": 11, "minute": 51, "second": 19}
